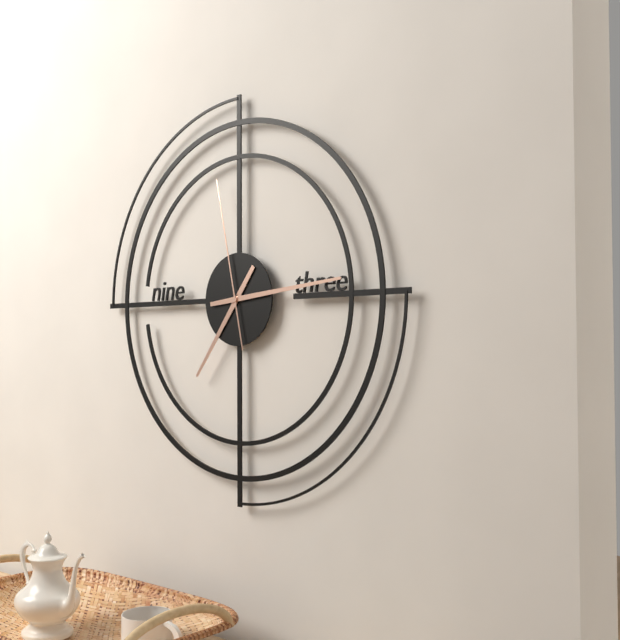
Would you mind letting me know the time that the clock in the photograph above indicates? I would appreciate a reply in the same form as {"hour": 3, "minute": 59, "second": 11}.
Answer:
{"hour": 7, "minute": 14, "second": 58}
